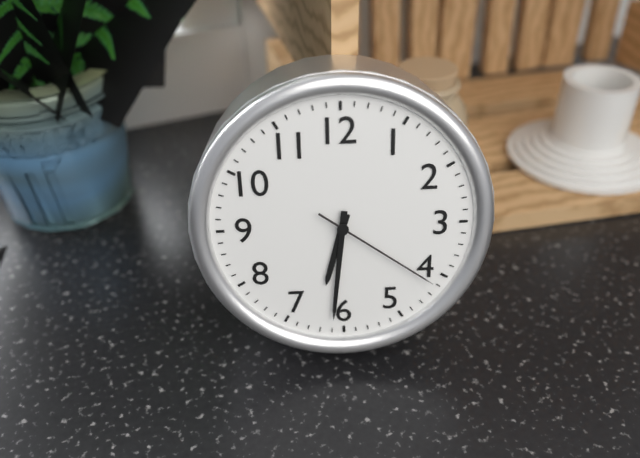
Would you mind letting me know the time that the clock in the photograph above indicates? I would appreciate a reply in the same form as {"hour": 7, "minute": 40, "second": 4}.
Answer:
{"hour": 6, "minute": 31, "second": 21}
